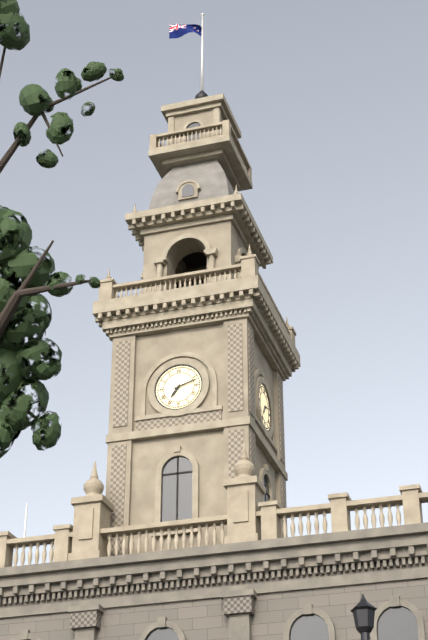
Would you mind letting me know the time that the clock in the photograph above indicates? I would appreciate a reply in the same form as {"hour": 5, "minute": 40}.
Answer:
{"hour": 7, "minute": 12}
